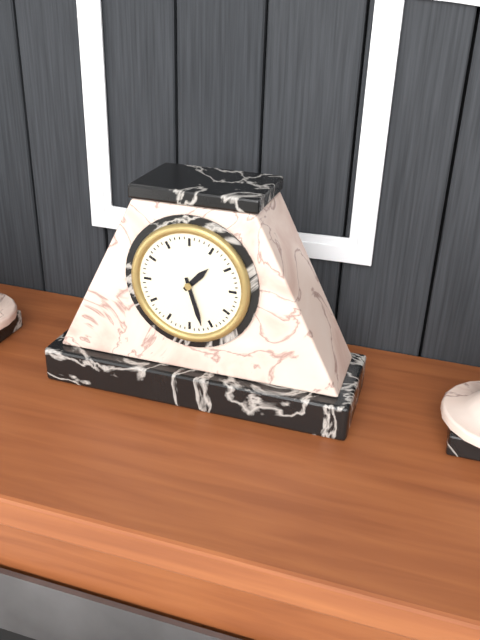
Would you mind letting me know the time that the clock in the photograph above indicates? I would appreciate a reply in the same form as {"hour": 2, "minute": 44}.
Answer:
{"hour": 1, "minute": 27}
